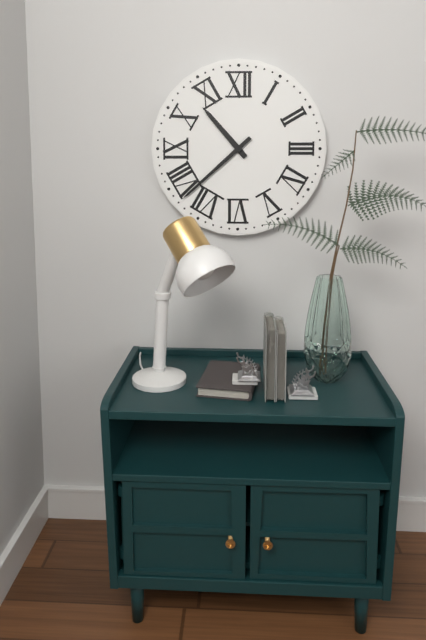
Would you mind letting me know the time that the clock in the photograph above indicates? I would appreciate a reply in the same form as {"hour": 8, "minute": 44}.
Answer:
{"hour": 10, "minute": 38}
